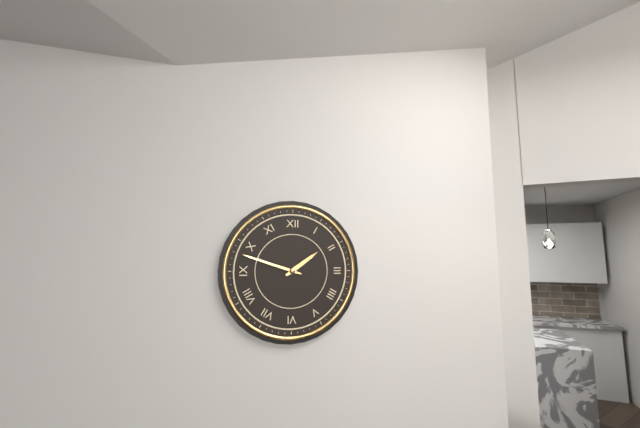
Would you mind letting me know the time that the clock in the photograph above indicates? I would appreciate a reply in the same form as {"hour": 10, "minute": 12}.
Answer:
{"hour": 1, "minute": 48}
